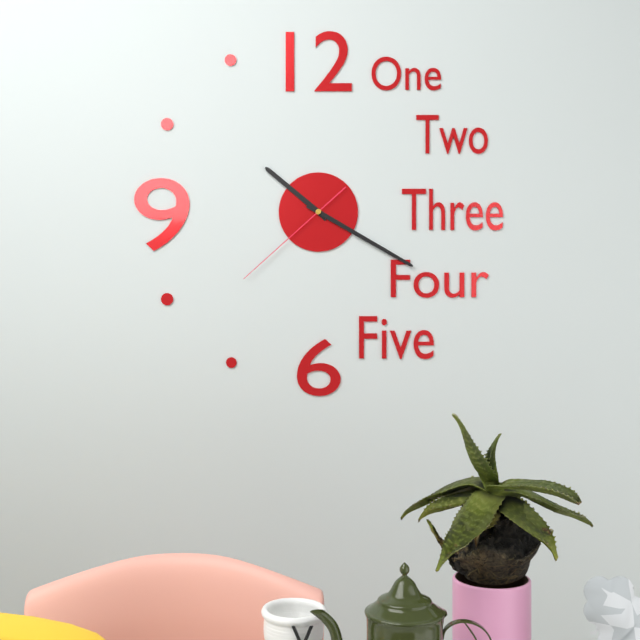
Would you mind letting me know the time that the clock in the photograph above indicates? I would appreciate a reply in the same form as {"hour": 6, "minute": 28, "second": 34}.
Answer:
{"hour": 10, "minute": 20, "second": 38}
